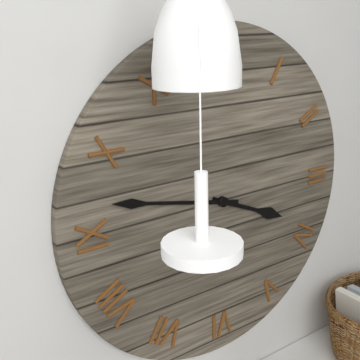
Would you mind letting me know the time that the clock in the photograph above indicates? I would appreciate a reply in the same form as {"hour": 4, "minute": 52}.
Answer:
{"hour": 3, "minute": 47}
